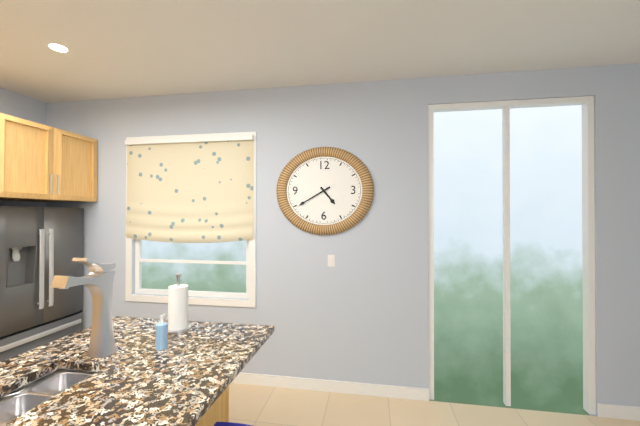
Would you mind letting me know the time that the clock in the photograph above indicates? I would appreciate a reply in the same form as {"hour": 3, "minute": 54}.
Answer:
{"hour": 4, "minute": 40}
